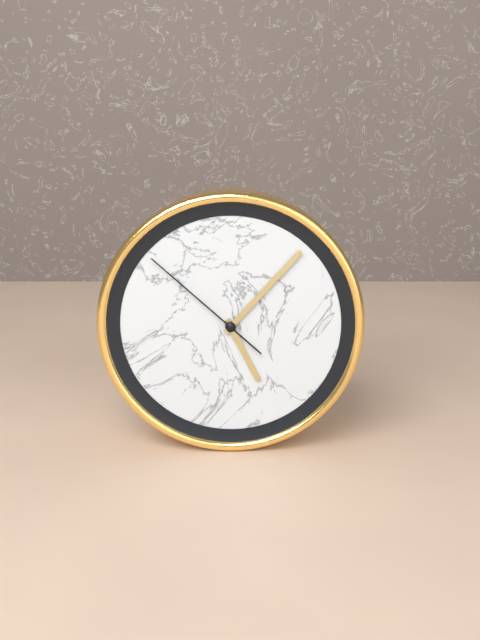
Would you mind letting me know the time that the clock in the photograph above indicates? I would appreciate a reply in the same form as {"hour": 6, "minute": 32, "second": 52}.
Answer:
{"hour": 5, "minute": 7, "second": 52}
